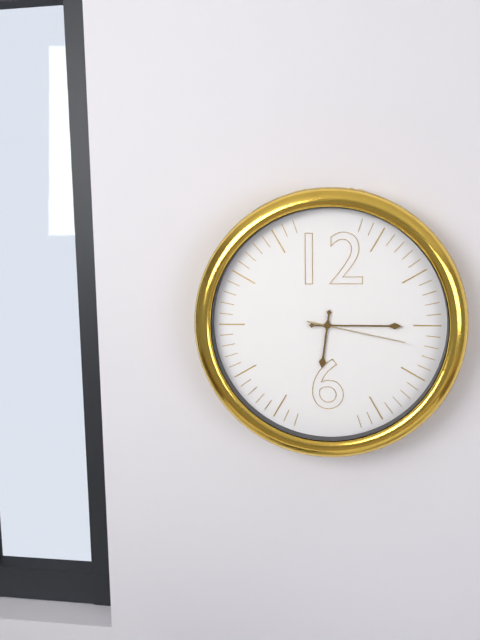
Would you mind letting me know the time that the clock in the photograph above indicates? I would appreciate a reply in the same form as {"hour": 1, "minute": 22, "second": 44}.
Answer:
{"hour": 6, "minute": 15, "second": 17}
